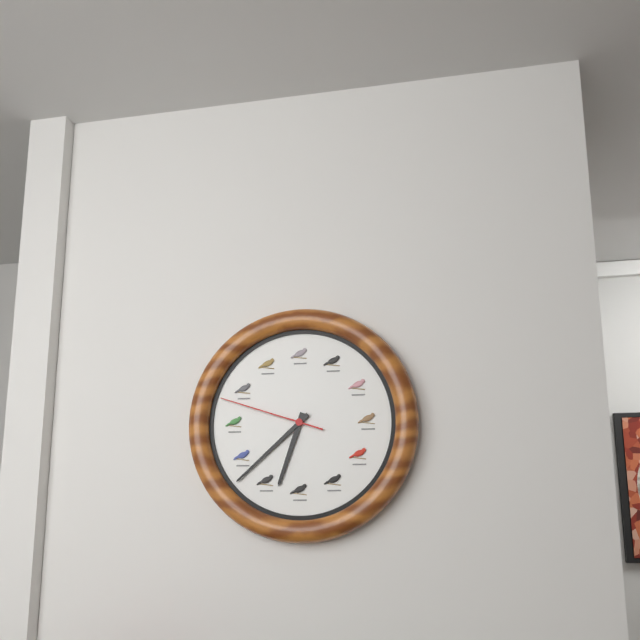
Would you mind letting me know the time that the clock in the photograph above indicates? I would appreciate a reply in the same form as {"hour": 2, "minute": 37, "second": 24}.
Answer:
{"hour": 6, "minute": 38, "second": 48}
